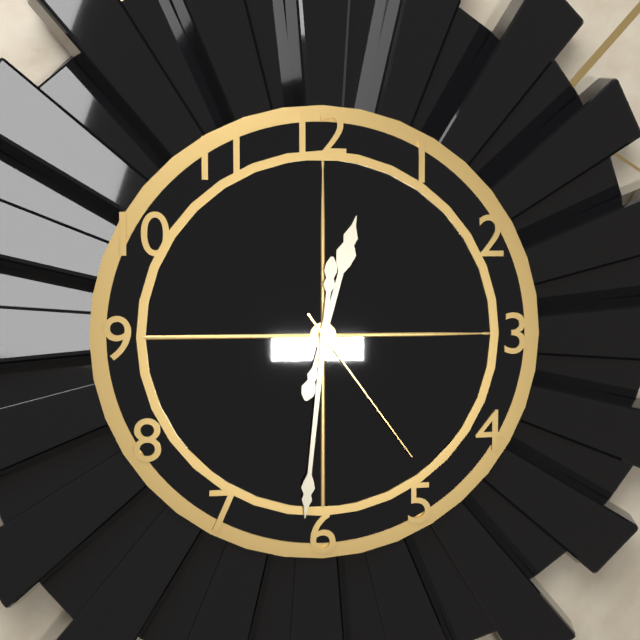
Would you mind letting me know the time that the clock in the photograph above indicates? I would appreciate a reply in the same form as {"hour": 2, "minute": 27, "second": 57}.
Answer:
{"hour": 12, "minute": 31, "second": 24}
